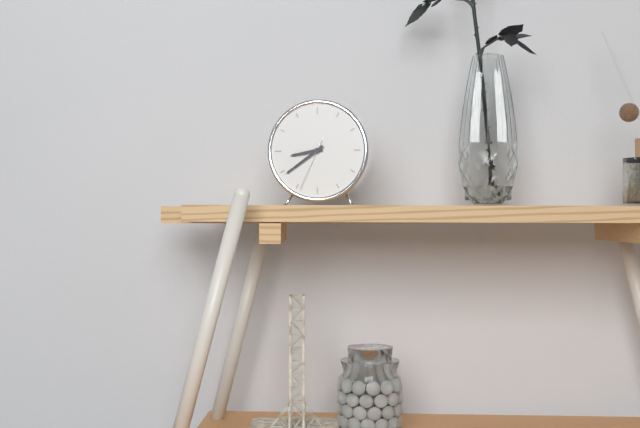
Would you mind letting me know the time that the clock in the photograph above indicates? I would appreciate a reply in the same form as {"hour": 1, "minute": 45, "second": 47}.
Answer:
{"hour": 8, "minute": 39, "second": 34}
